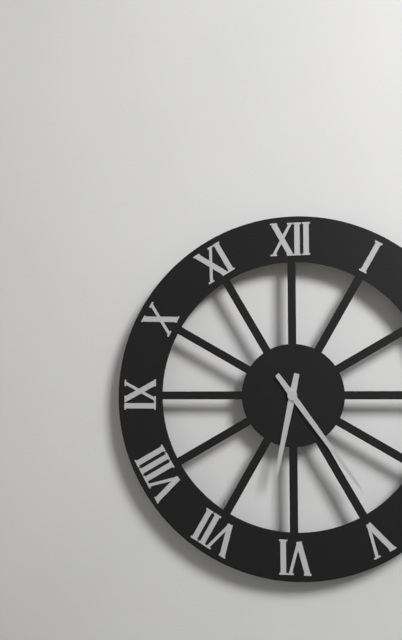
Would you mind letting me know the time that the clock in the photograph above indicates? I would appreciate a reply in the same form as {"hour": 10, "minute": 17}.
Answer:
{"hour": 6, "minute": 24}
